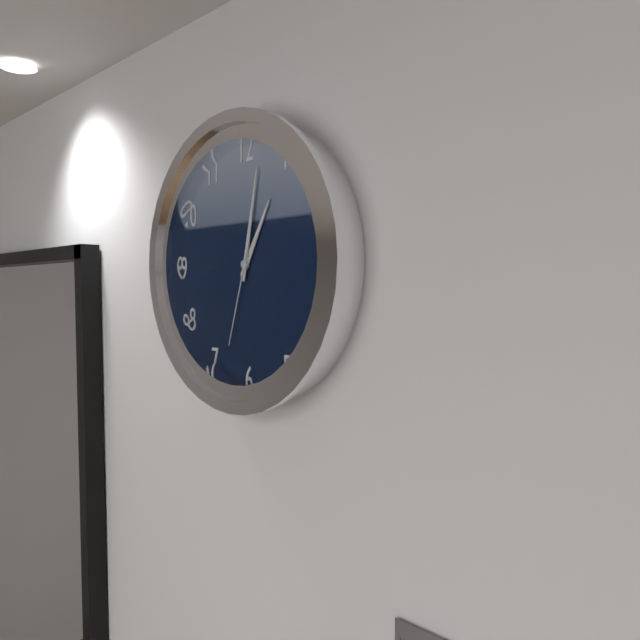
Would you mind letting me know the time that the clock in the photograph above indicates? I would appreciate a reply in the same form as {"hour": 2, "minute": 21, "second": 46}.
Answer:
{"hour": 1, "minute": 2, "second": 33}
